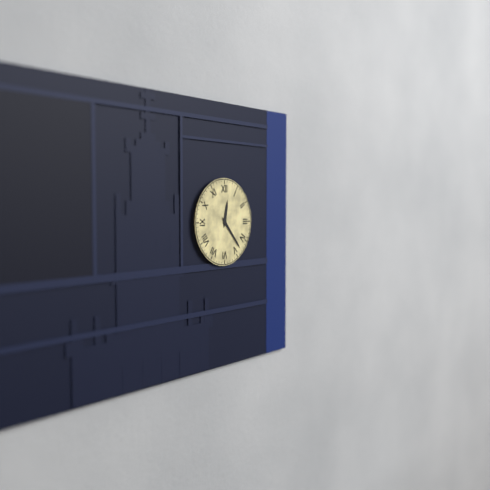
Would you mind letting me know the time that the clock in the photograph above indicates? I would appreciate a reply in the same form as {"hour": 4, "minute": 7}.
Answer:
{"hour": 12, "minute": 23}
